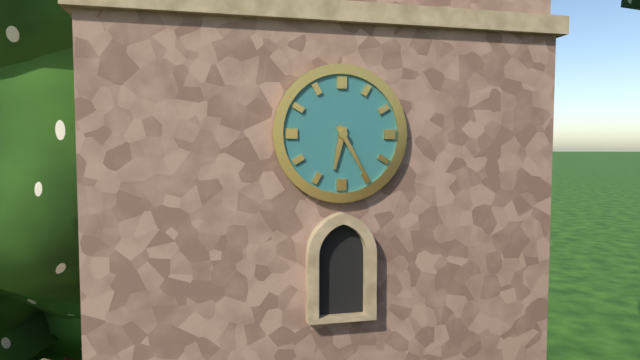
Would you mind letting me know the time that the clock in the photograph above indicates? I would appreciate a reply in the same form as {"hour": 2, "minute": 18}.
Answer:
{"hour": 6, "minute": 25}
